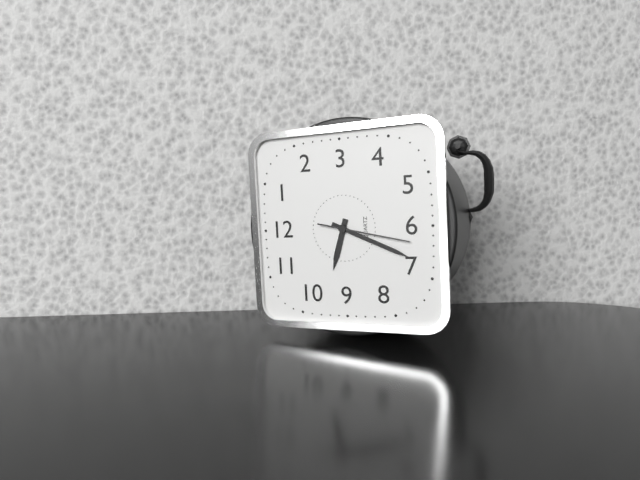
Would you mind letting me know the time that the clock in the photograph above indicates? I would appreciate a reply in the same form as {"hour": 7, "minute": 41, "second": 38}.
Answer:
{"hour": 9, "minute": 34, "second": 32}
